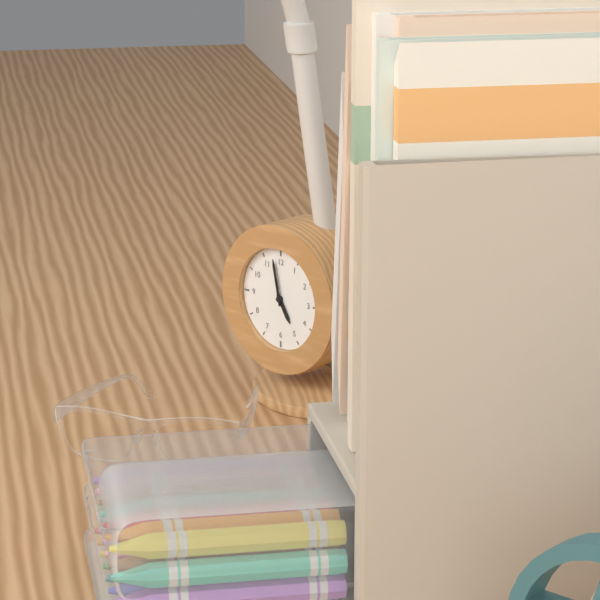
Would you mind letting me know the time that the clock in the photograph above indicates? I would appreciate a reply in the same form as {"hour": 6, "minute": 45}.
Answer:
{"hour": 4, "minute": 58}
